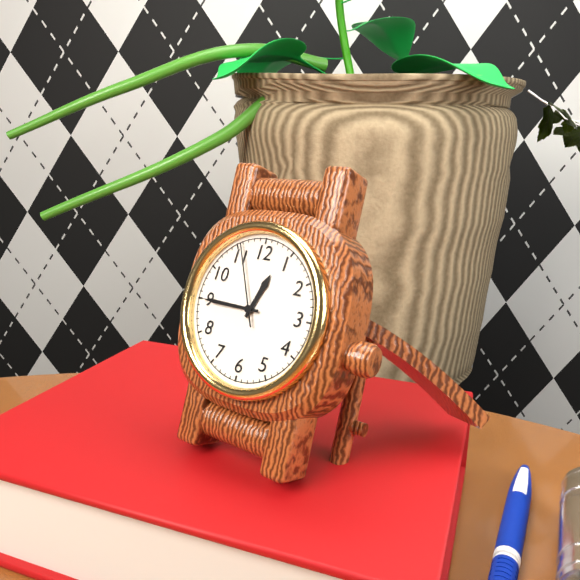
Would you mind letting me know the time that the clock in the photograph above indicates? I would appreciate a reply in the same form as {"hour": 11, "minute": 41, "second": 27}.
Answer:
{"hour": 12, "minute": 45, "second": 56}
